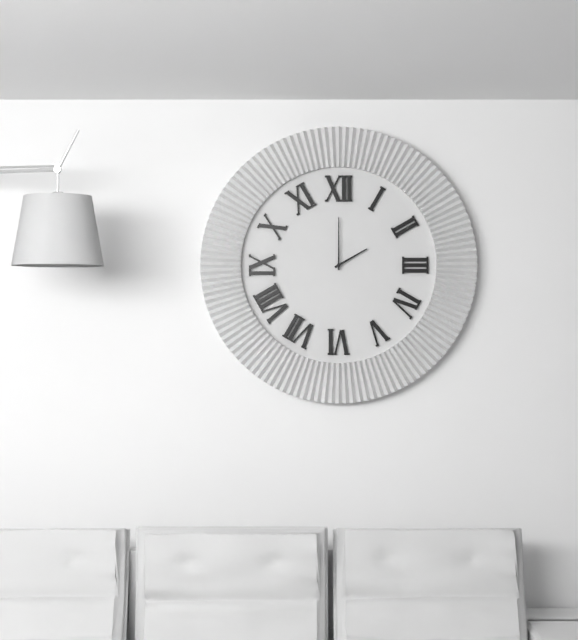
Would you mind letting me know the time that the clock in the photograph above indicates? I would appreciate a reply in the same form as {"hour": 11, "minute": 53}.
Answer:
{"hour": 2, "minute": 0}
